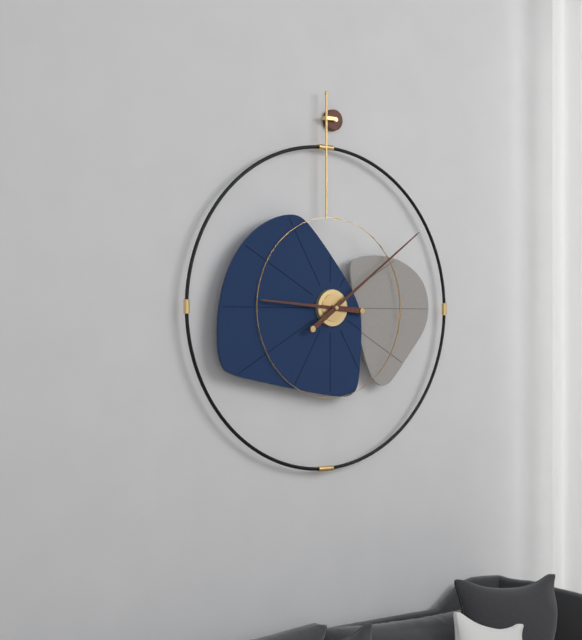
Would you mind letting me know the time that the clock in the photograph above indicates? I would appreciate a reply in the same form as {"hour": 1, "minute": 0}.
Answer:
{"hour": 9, "minute": 9}
